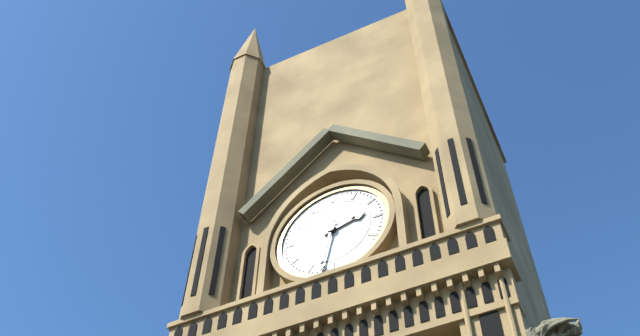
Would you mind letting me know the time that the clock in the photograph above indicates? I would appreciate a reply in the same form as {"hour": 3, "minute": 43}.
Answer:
{"hour": 2, "minute": 32}
